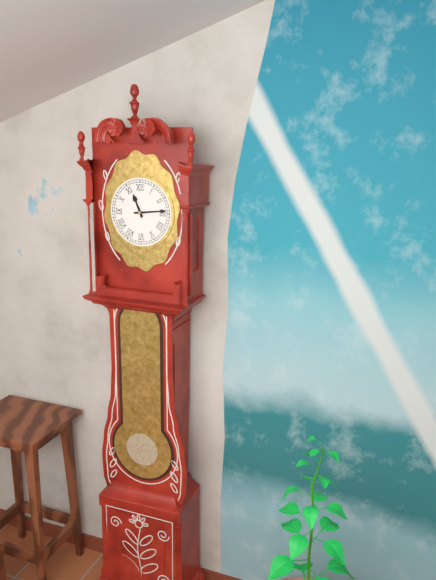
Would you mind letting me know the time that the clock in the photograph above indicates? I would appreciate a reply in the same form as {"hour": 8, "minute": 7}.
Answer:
{"hour": 11, "minute": 14}
